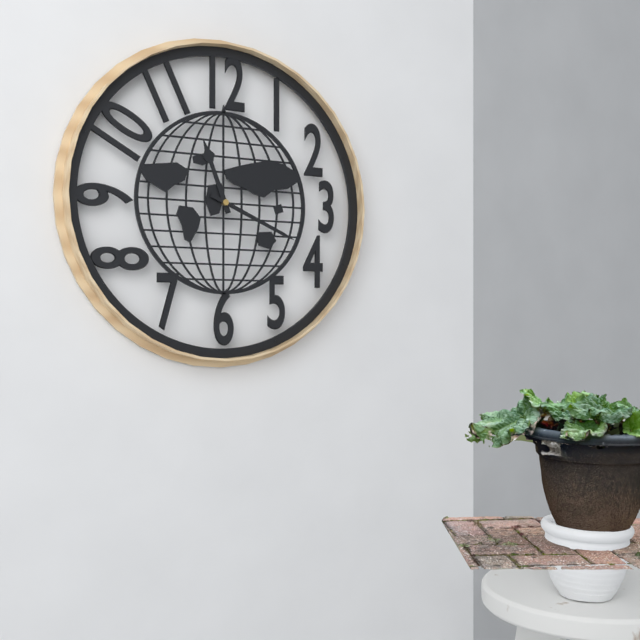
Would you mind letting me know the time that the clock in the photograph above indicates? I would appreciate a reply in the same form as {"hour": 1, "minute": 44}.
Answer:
{"hour": 11, "minute": 19}
